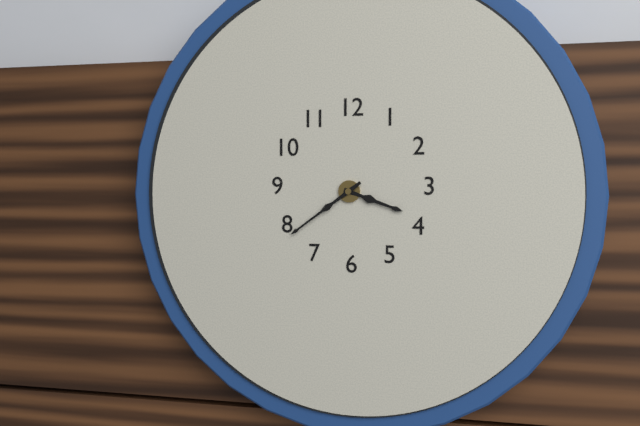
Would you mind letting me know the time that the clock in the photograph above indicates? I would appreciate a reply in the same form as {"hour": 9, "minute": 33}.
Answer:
{"hour": 3, "minute": 39}
